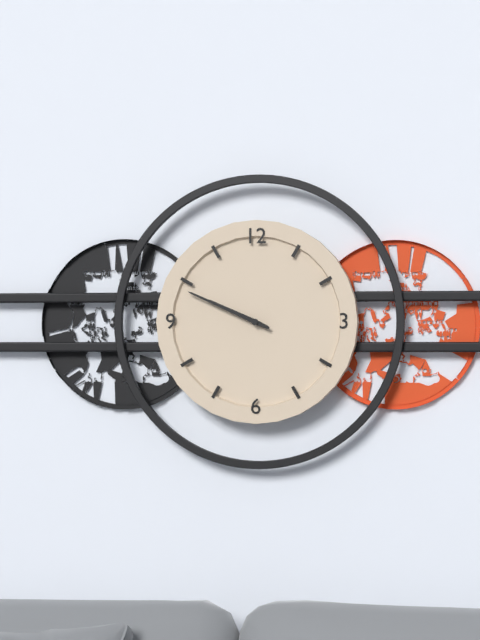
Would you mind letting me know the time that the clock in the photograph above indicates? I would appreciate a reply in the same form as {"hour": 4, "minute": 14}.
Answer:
{"hour": 9, "minute": 49}
